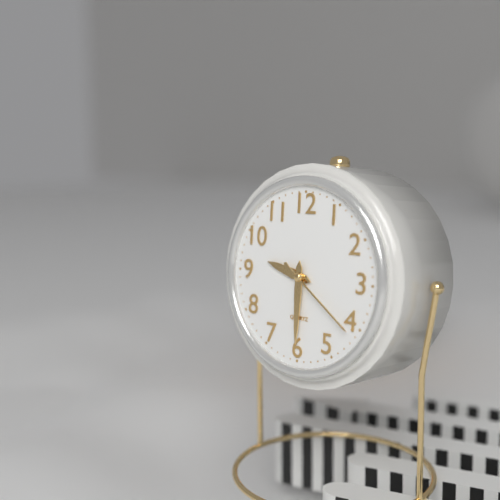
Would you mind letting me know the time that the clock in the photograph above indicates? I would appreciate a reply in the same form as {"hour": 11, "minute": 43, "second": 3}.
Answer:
{"hour": 9, "minute": 30, "second": 21}
